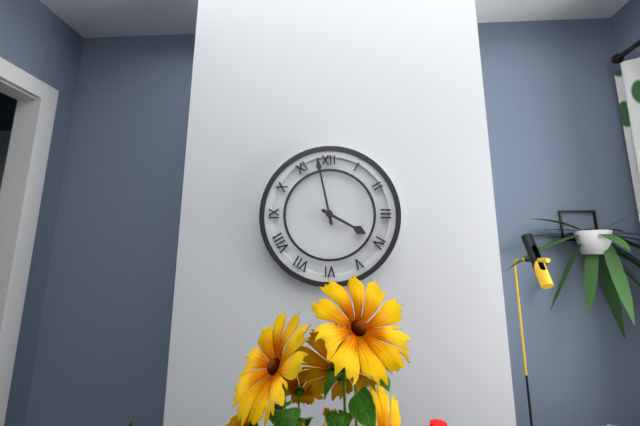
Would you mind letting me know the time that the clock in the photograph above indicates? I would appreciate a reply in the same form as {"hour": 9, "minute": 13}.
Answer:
{"hour": 3, "minute": 58}
